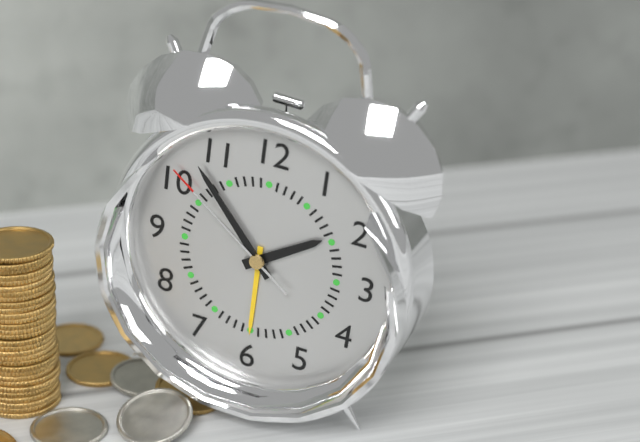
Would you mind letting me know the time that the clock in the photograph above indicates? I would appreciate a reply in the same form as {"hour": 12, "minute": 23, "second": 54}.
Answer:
{"hour": 1, "minute": 53, "second": 51}
